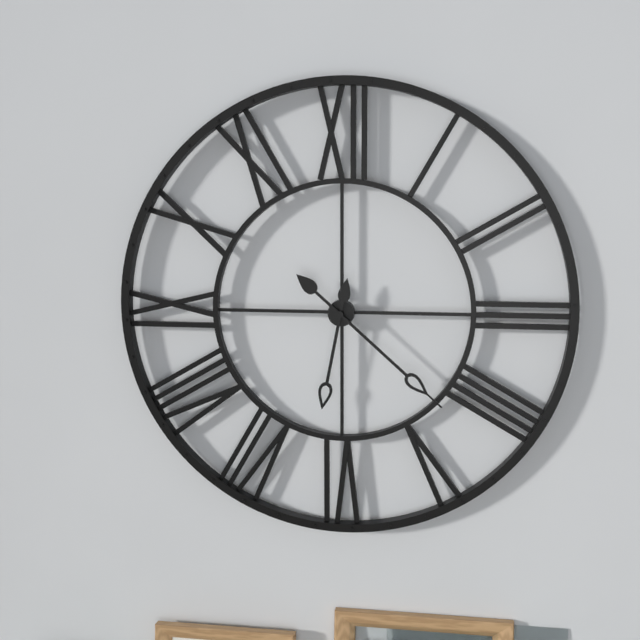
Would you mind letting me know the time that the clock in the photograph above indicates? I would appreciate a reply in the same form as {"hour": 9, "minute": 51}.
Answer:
{"hour": 6, "minute": 22}
